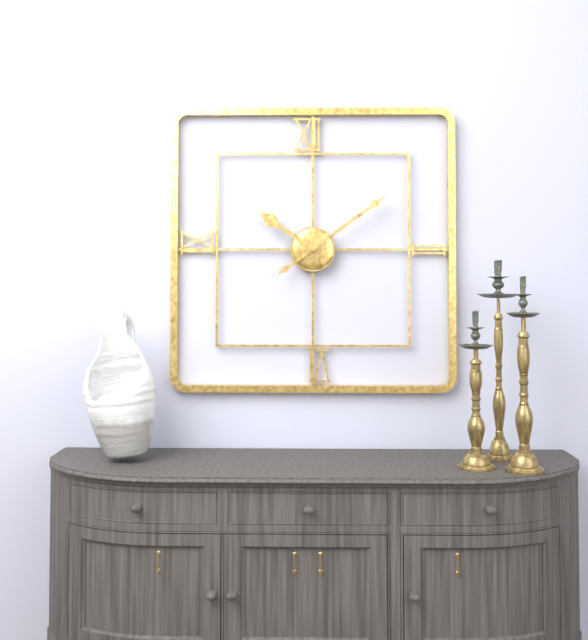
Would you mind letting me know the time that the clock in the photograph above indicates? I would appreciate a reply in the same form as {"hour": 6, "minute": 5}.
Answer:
{"hour": 10, "minute": 9}
